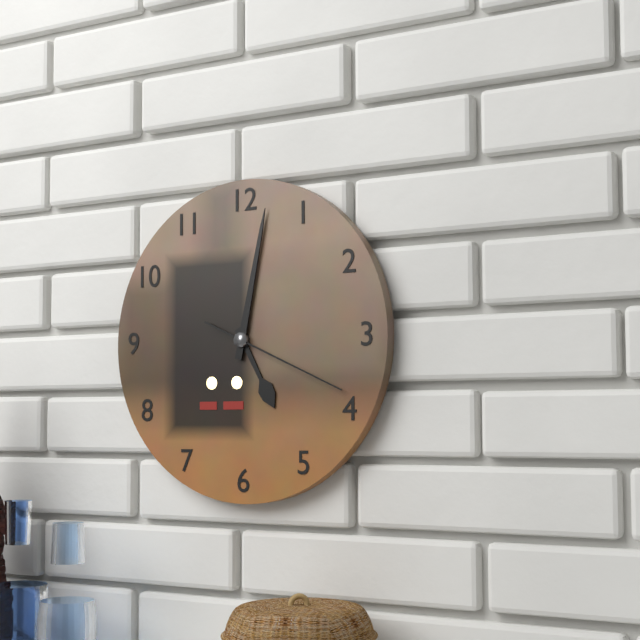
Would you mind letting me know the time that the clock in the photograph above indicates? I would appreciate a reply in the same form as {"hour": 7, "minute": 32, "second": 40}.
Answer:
{"hour": 5, "minute": 2, "second": 19}
